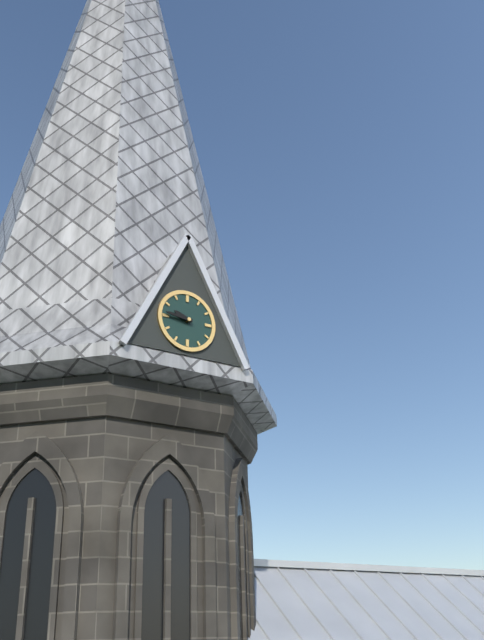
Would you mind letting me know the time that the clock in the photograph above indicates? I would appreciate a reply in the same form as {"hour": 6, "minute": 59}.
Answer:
{"hour": 9, "minute": 46}
